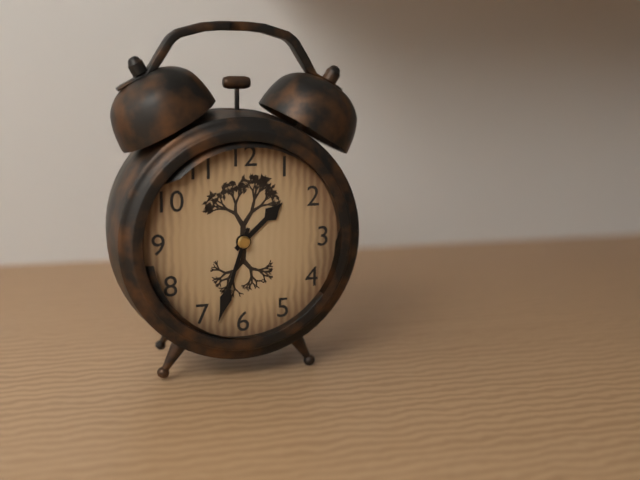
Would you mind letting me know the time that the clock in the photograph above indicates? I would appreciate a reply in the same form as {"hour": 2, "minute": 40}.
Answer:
{"hour": 1, "minute": 33}
